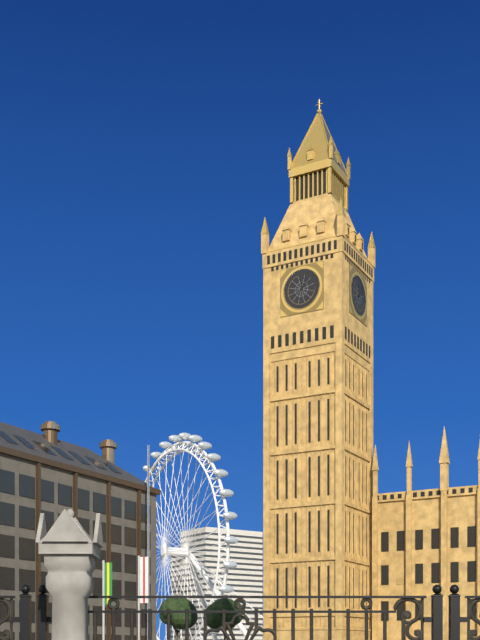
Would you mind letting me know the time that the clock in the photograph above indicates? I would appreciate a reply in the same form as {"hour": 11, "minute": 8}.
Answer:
{"hour": 12, "minute": 7}
